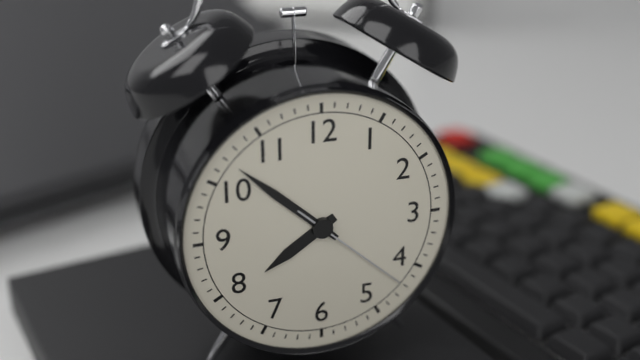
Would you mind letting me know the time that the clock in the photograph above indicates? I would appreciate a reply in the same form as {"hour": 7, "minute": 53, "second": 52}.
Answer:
{"hour": 7, "minute": 52, "second": 22}
